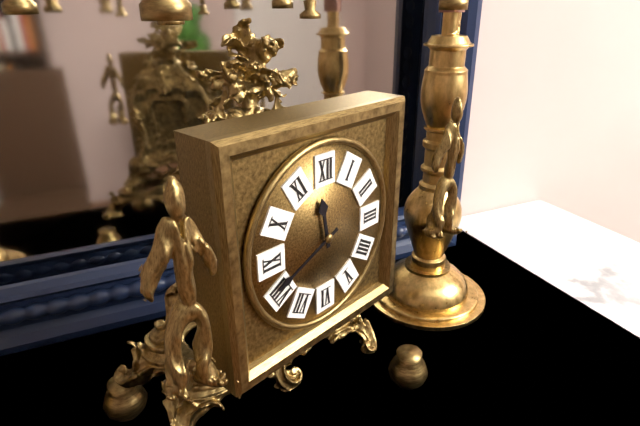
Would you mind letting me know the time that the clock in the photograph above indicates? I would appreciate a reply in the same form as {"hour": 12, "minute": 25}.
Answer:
{"hour": 11, "minute": 41}
